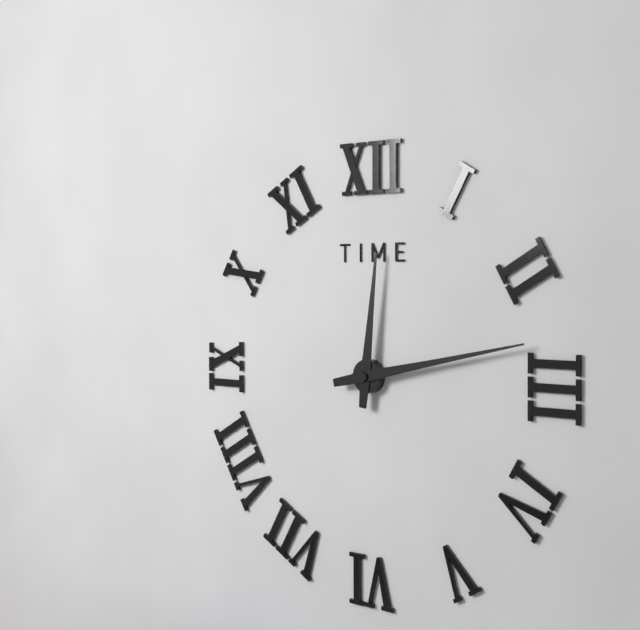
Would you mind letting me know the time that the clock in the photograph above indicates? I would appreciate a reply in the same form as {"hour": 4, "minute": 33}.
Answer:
{"hour": 12, "minute": 13}
